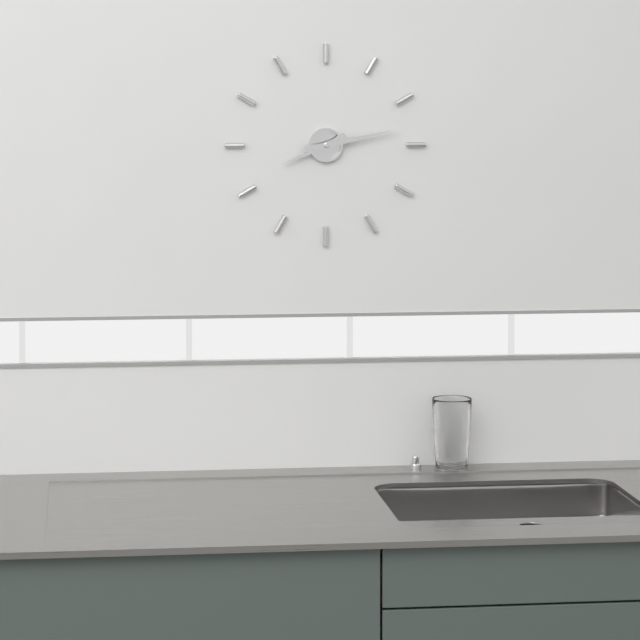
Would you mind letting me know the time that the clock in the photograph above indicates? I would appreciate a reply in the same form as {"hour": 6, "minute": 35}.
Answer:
{"hour": 8, "minute": 13}
